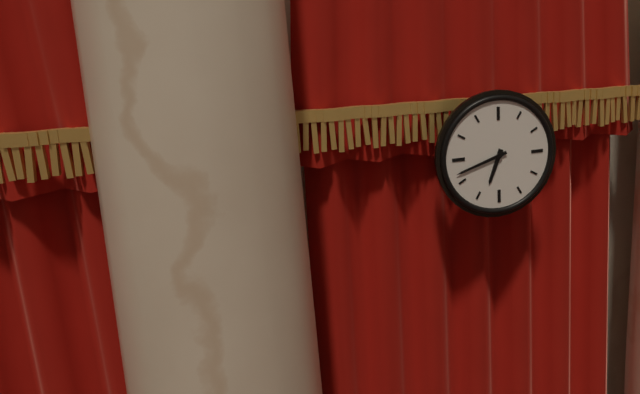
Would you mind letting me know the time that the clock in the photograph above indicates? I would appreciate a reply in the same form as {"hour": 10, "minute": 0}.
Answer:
{"hour": 6, "minute": 42}
